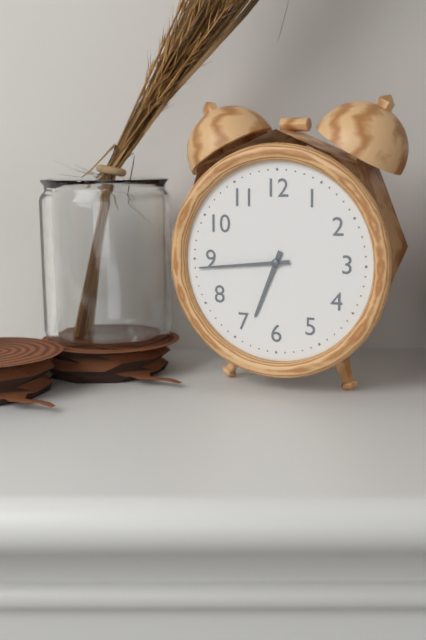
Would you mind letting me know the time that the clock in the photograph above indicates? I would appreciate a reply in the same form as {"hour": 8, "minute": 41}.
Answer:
{"hour": 6, "minute": 44}
